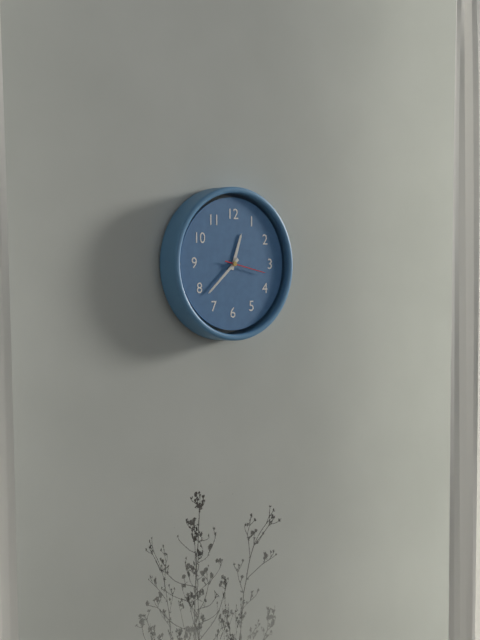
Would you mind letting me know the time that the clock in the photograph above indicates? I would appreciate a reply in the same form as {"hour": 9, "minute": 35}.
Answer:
{"hour": 12, "minute": 38}
